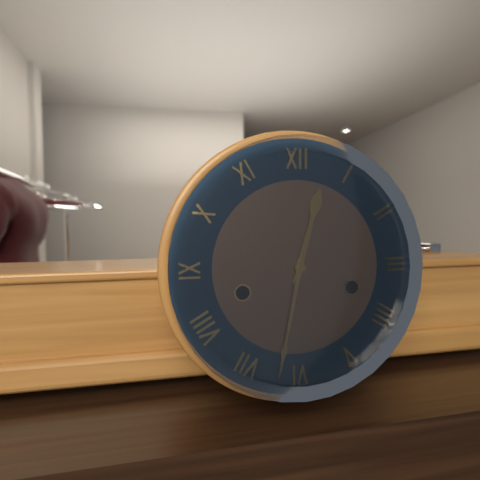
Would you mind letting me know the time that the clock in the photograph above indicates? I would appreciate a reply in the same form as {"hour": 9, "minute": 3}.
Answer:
{"hour": 12, "minute": 32}
